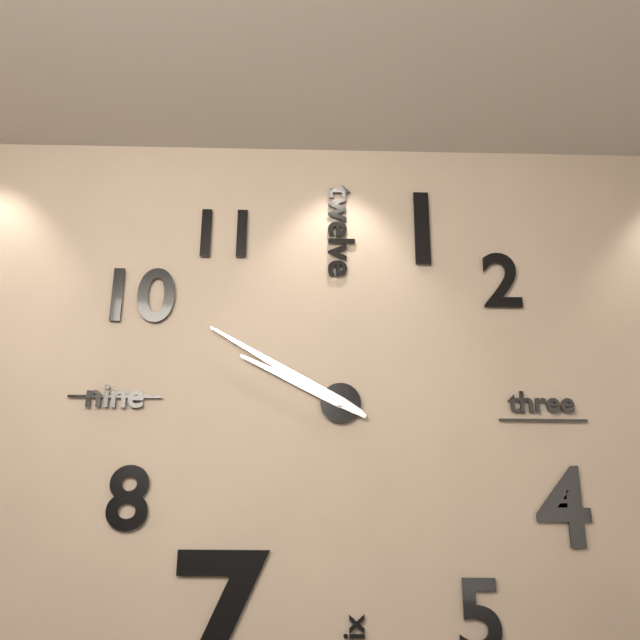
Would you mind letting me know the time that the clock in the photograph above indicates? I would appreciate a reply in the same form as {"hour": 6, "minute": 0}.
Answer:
{"hour": 9, "minute": 50}
